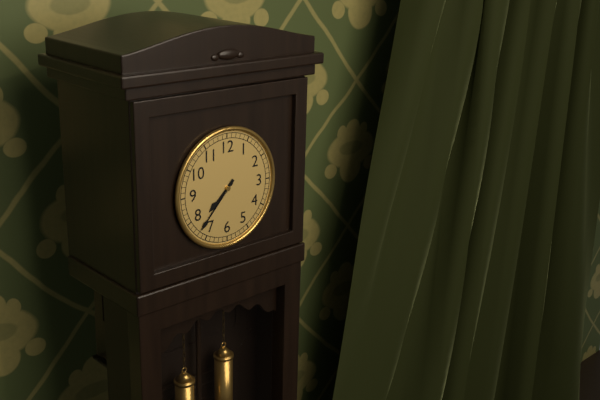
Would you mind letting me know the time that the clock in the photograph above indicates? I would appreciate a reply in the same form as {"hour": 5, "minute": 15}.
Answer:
{"hour": 7, "minute": 37}
